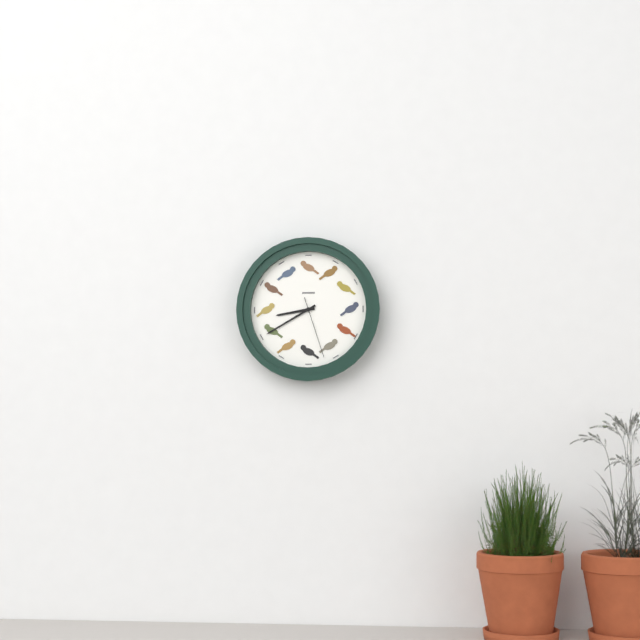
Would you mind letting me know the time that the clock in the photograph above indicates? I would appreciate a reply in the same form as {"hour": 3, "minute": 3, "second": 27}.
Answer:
{"hour": 8, "minute": 40, "second": 27}
